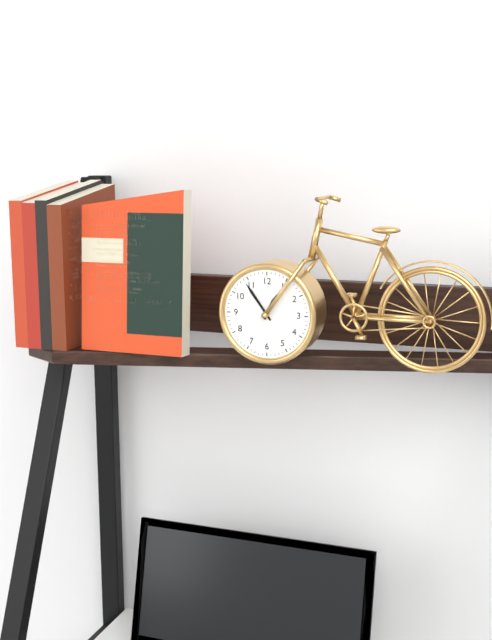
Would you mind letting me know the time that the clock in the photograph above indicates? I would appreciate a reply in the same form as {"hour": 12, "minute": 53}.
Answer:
{"hour": 12, "minute": 54}
